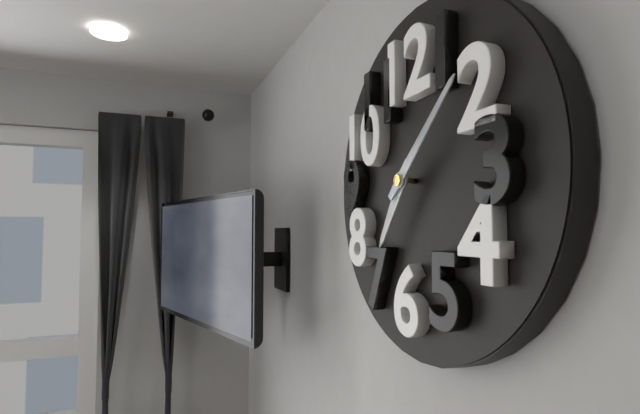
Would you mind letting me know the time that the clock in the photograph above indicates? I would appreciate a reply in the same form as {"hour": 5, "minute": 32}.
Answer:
{"hour": 7, "minute": 8}
